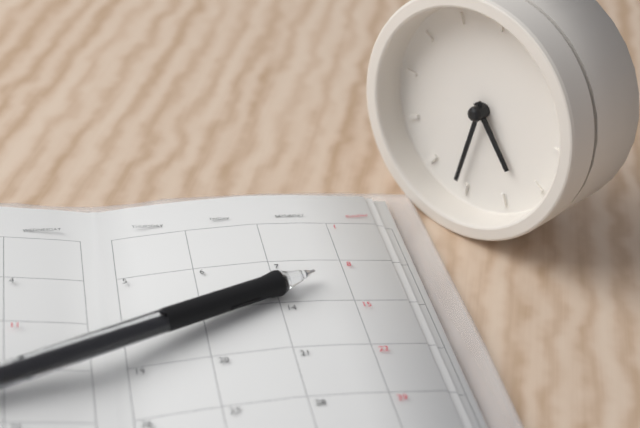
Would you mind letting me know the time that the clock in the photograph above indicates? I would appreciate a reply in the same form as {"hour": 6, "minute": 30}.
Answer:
{"hour": 4, "minute": 31}
